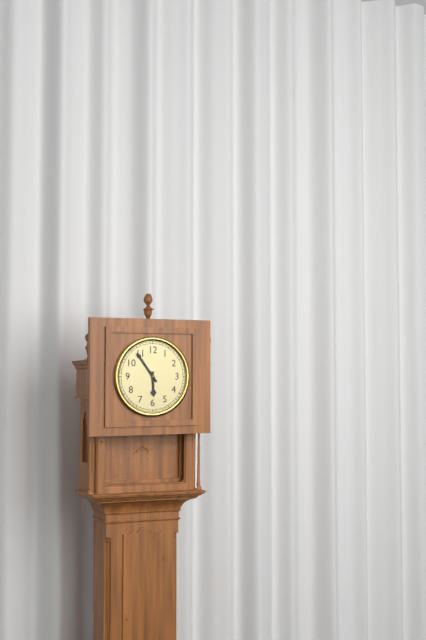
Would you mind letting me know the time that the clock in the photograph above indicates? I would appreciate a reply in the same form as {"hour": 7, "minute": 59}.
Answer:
{"hour": 5, "minute": 54}
